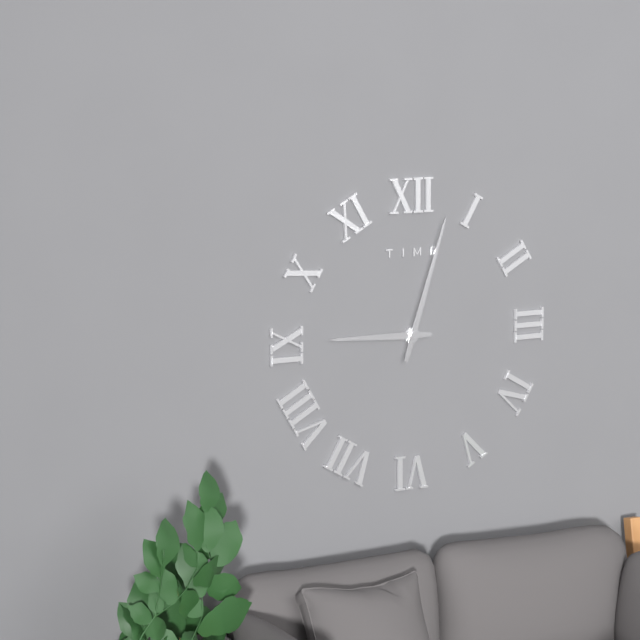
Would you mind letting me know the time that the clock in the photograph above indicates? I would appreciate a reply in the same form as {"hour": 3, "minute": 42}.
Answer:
{"hour": 9, "minute": 3}
